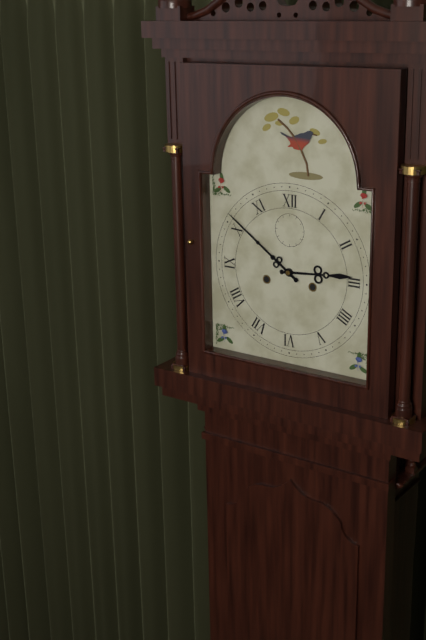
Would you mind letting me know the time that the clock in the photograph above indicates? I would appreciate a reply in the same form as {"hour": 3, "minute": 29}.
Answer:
{"hour": 2, "minute": 51}
